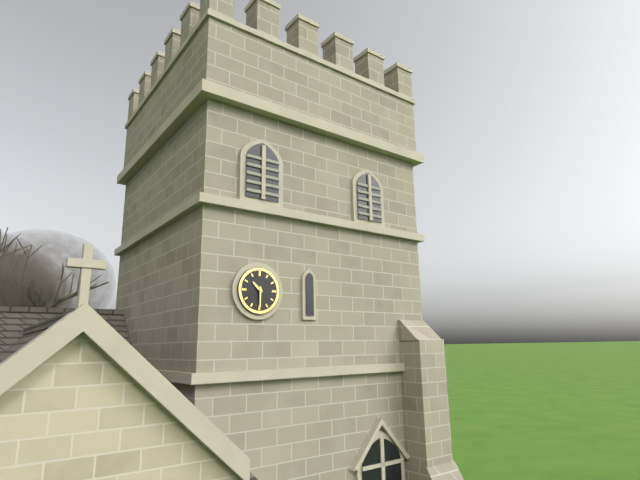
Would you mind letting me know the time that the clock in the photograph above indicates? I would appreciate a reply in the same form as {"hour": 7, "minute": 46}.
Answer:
{"hour": 10, "minute": 30}
